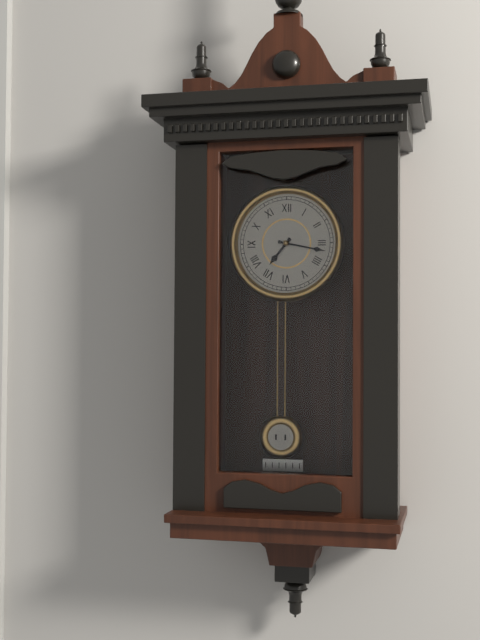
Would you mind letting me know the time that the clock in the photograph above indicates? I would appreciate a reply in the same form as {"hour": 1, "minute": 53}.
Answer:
{"hour": 7, "minute": 17}
